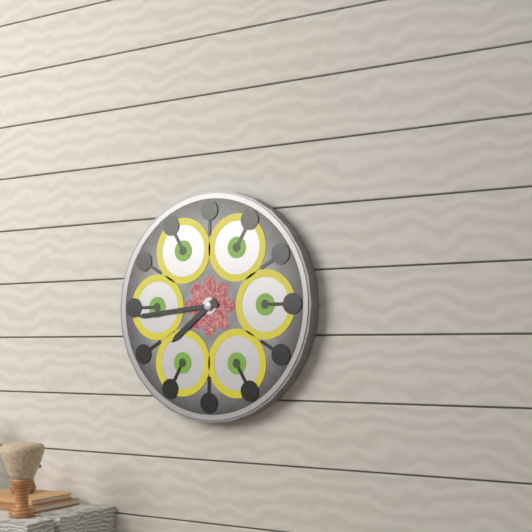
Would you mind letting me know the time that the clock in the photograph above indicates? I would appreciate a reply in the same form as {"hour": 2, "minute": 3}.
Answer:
{"hour": 7, "minute": 44}
